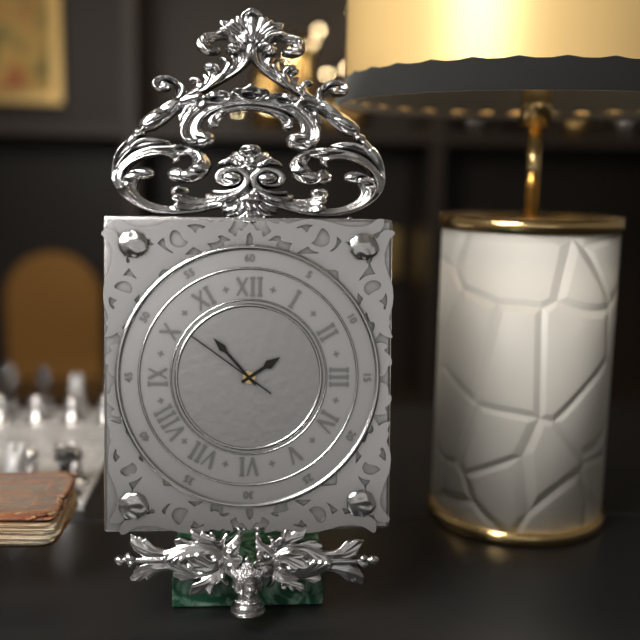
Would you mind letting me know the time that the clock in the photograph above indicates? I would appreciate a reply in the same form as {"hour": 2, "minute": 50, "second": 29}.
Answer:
{"hour": 1, "minute": 53, "second": 51}
